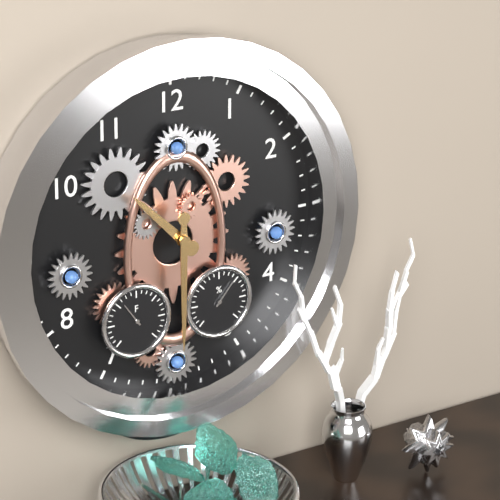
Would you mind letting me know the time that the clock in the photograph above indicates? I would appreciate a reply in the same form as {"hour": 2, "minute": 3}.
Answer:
{"hour": 10, "minute": 30}
